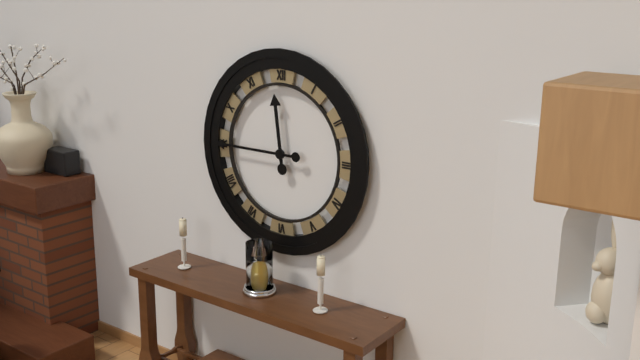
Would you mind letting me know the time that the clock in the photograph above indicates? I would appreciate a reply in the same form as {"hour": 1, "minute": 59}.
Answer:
{"hour": 11, "minute": 45}
